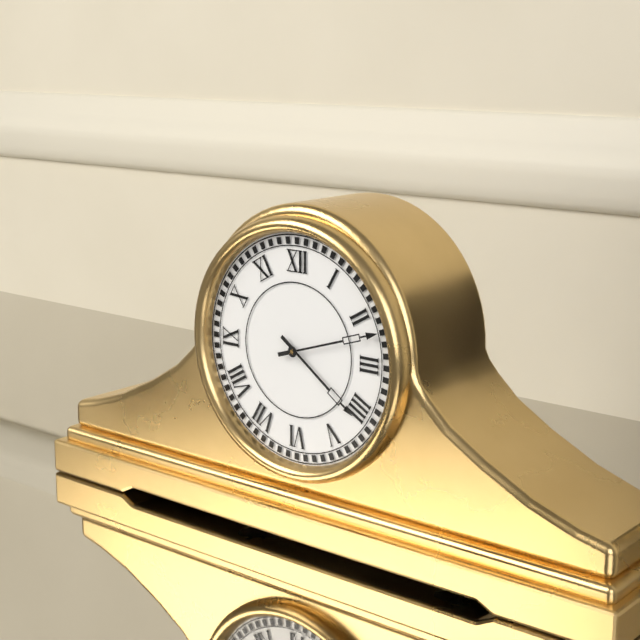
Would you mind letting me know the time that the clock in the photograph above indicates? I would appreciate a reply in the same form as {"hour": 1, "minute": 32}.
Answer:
{"hour": 4, "minute": 12}
